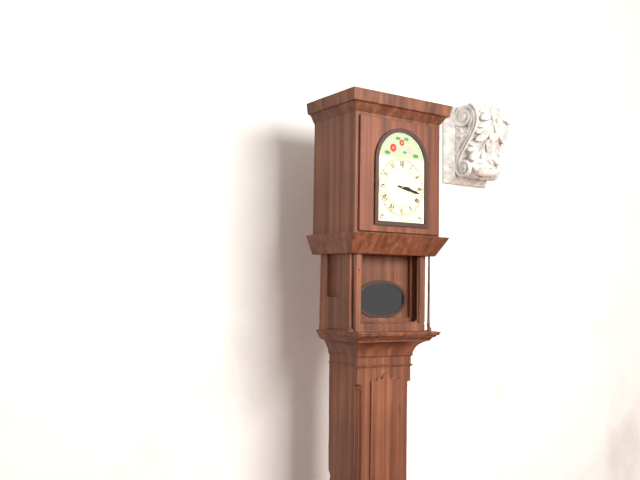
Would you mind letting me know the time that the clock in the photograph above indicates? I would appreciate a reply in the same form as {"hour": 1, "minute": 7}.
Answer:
{"hour": 3, "minute": 17}
